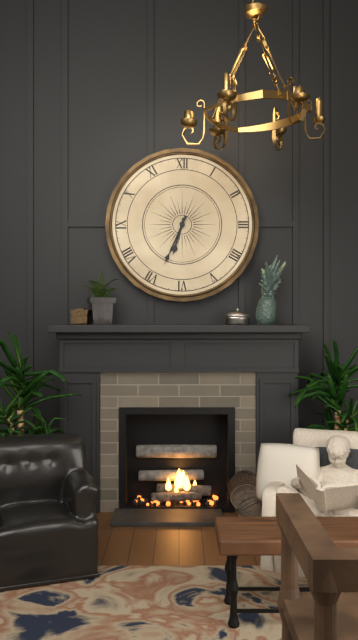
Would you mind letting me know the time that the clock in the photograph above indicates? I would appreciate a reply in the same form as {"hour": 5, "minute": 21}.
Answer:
{"hour": 6, "minute": 34}
